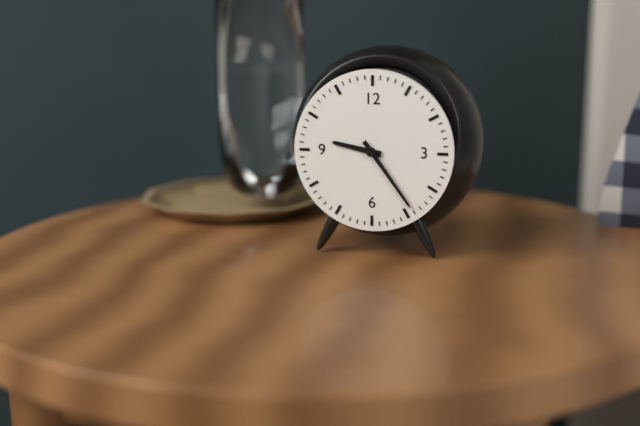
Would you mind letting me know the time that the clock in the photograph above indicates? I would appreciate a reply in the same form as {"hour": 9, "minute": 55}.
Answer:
{"hour": 9, "minute": 24}
